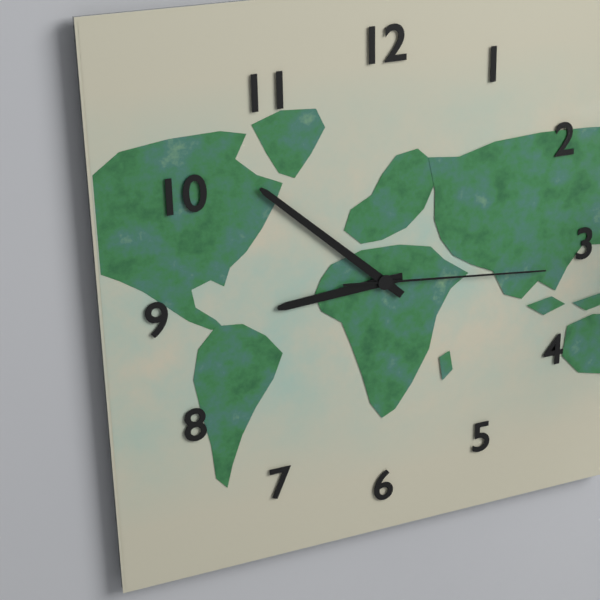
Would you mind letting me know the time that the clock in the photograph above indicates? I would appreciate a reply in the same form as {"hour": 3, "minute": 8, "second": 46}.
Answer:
{"hour": 8, "minute": 52, "second": 16}
